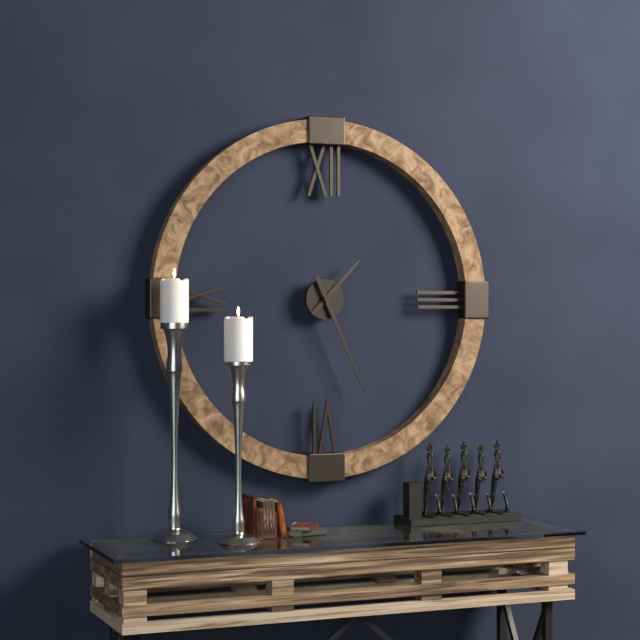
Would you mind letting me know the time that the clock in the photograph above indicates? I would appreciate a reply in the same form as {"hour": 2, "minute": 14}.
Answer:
{"hour": 1, "minute": 26}
